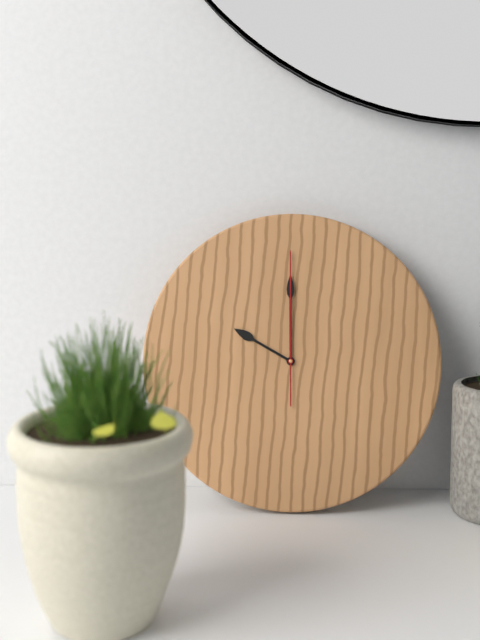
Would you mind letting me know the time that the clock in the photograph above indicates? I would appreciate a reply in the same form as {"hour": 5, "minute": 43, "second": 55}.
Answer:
{"hour": 10, "minute": 0, "second": 0}
